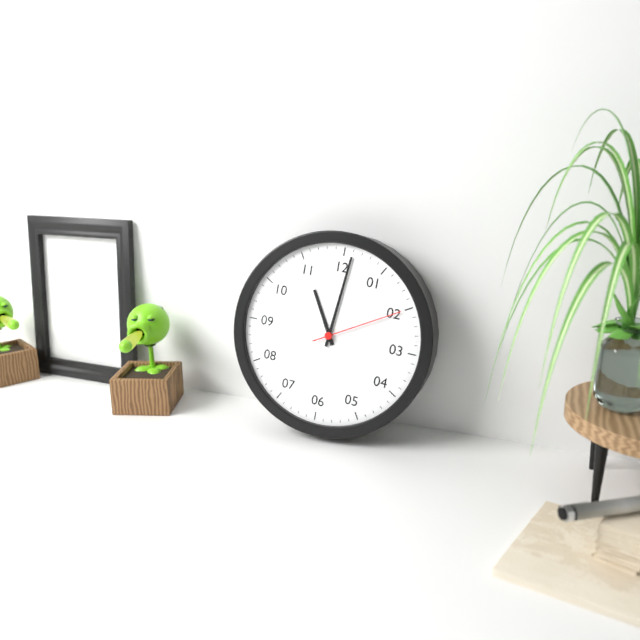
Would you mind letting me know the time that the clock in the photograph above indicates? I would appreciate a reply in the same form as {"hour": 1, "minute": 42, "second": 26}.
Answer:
{"hour": 11, "minute": 1, "second": 10}
